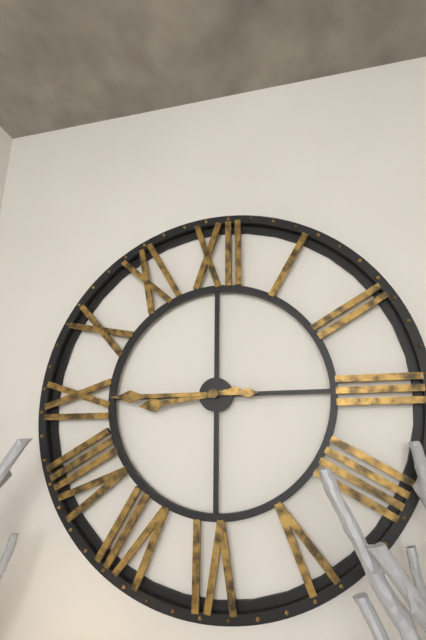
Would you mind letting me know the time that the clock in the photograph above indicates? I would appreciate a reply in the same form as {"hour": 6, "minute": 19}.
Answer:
{"hour": 8, "minute": 45}
